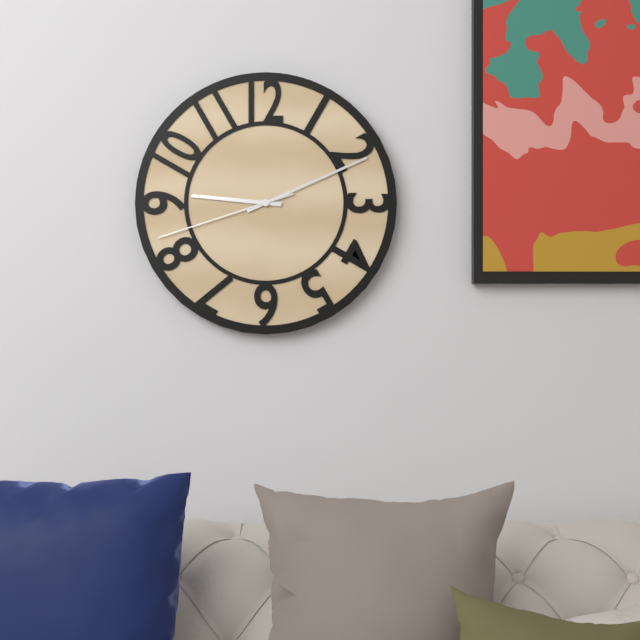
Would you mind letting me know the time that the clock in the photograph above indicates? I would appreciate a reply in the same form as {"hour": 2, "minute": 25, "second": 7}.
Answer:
{"hour": 9, "minute": 11, "second": 42}
